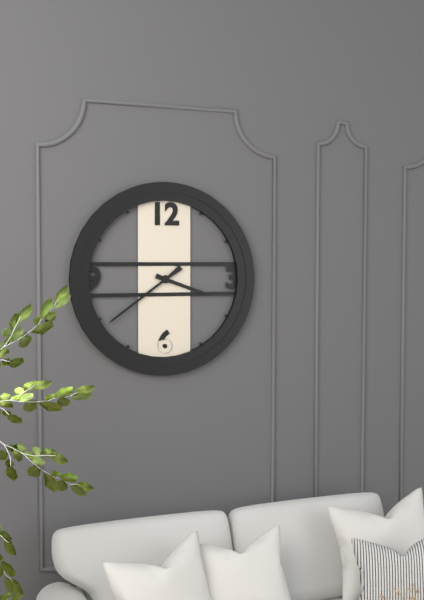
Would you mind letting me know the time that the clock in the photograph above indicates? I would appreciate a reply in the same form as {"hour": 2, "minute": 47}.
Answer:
{"hour": 3, "minute": 39}
